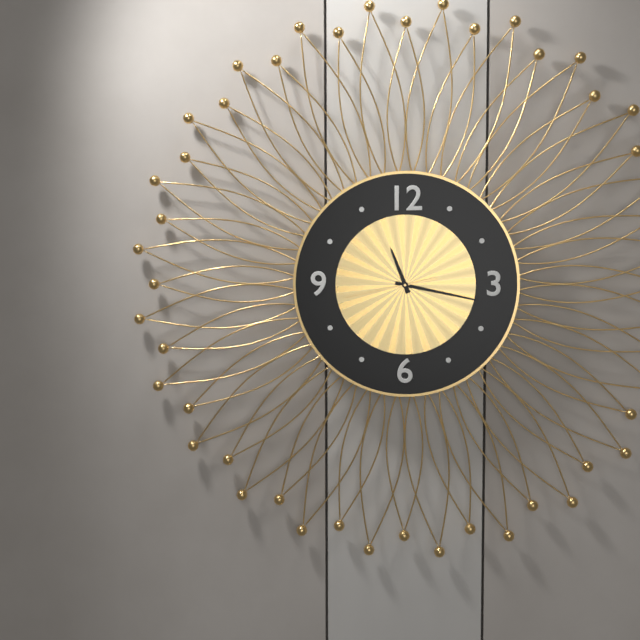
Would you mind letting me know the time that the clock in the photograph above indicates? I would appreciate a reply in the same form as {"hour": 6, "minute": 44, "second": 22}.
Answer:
{"hour": 11, "minute": 17, "second": 43}
